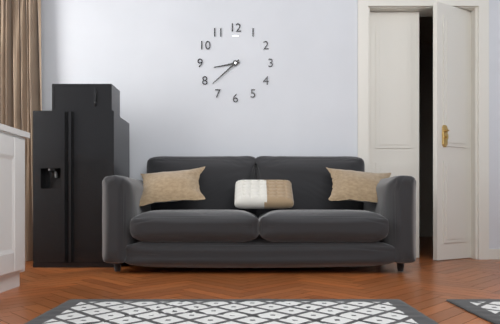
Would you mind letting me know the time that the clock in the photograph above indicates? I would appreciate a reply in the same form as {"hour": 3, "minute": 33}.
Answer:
{"hour": 8, "minute": 38}
